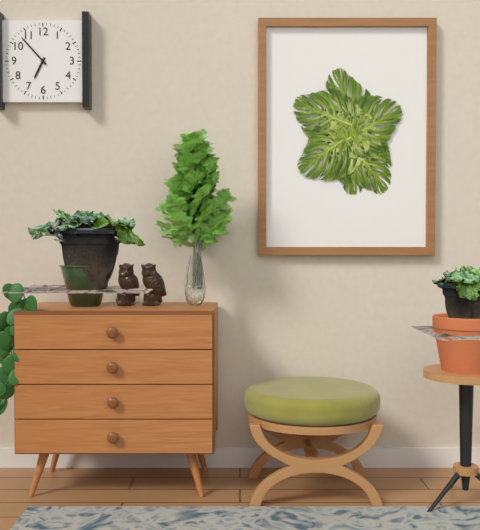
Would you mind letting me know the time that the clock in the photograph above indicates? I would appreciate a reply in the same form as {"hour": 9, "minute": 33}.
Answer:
{"hour": 6, "minute": 53}
